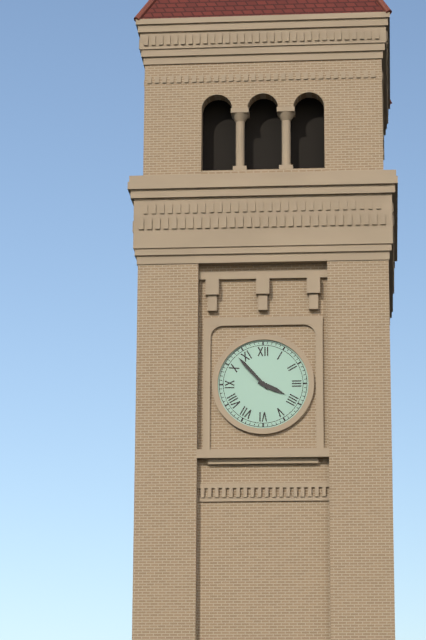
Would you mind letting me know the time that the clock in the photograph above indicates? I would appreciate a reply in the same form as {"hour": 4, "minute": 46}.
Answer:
{"hour": 3, "minute": 53}
